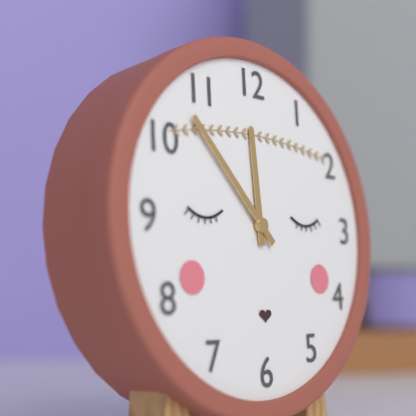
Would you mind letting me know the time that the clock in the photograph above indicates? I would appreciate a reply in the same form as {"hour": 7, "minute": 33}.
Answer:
{"hour": 11, "minute": 53}
